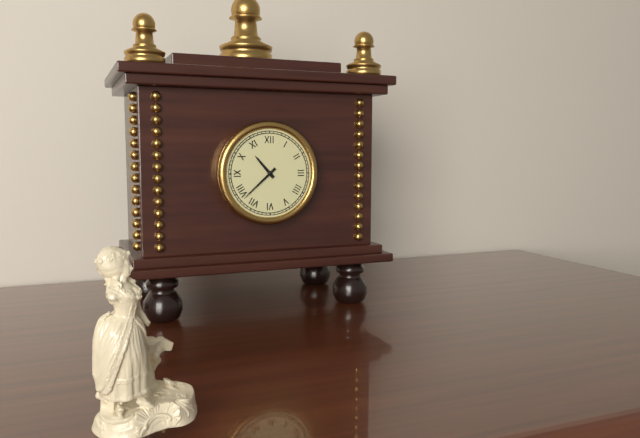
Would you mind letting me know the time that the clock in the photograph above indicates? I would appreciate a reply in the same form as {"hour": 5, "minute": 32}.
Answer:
{"hour": 10, "minute": 38}
